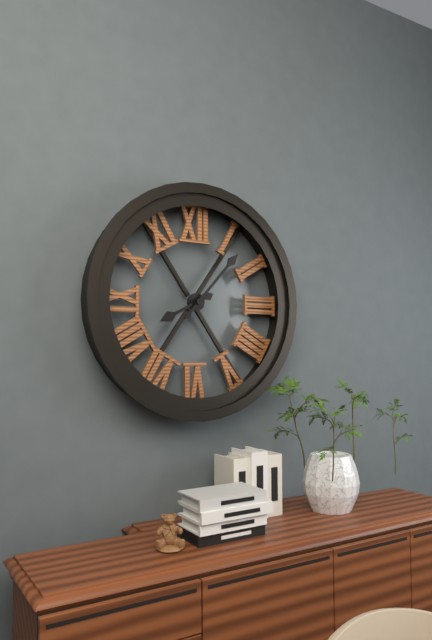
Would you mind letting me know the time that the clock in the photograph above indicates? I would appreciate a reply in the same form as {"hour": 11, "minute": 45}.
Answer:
{"hour": 8, "minute": 7}
